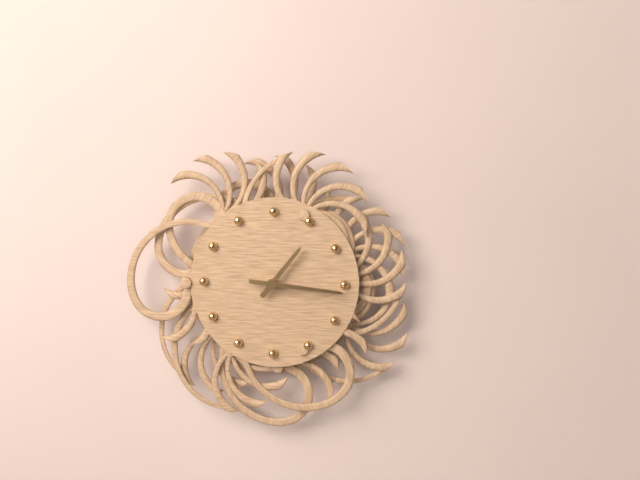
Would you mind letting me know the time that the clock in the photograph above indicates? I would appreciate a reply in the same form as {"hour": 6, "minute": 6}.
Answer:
{"hour": 1, "minute": 16}
